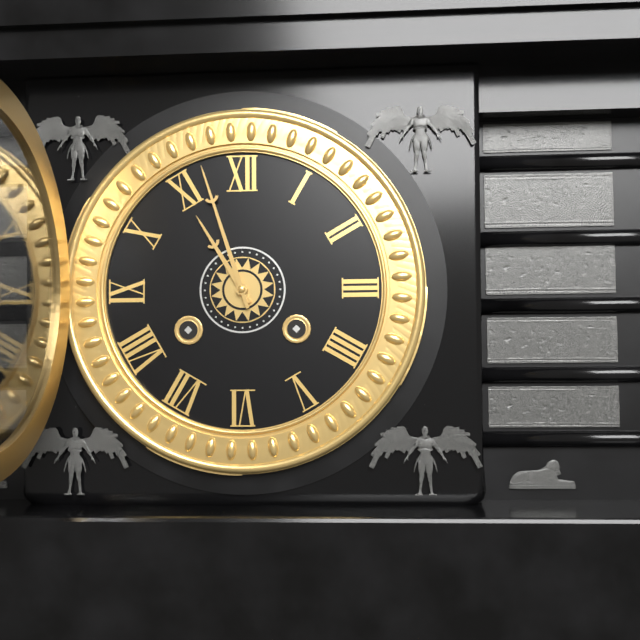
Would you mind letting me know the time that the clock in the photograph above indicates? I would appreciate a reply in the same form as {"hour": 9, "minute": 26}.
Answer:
{"hour": 10, "minute": 57}
